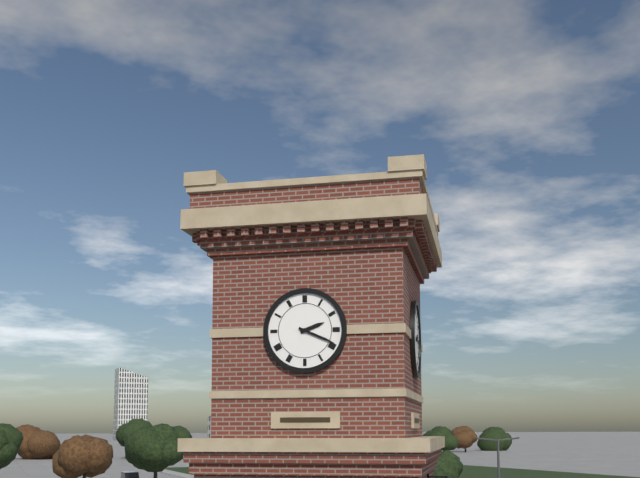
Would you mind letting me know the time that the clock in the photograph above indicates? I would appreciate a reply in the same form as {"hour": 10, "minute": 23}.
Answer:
{"hour": 2, "minute": 19}
